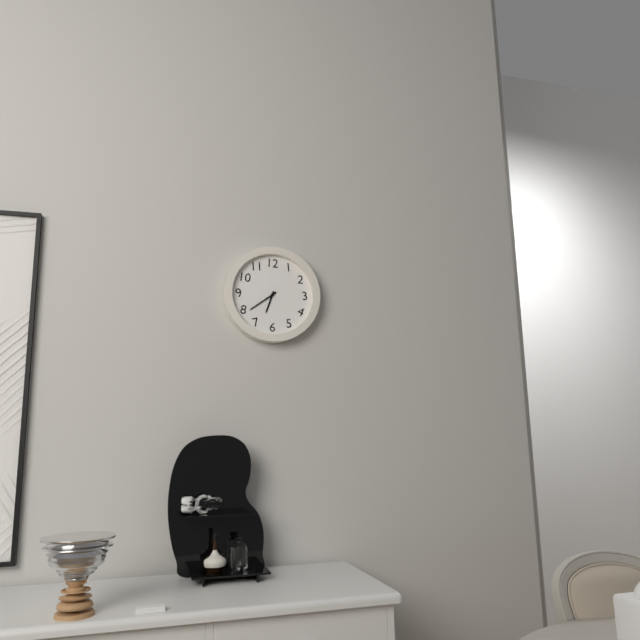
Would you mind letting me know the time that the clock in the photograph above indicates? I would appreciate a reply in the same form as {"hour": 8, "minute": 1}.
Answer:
{"hour": 6, "minute": 39}
